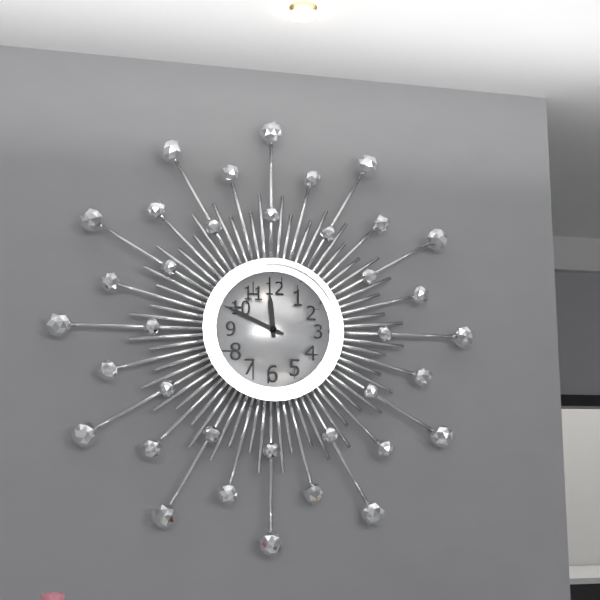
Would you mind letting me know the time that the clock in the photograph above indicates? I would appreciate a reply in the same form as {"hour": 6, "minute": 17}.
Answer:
{"hour": 11, "minute": 49}
